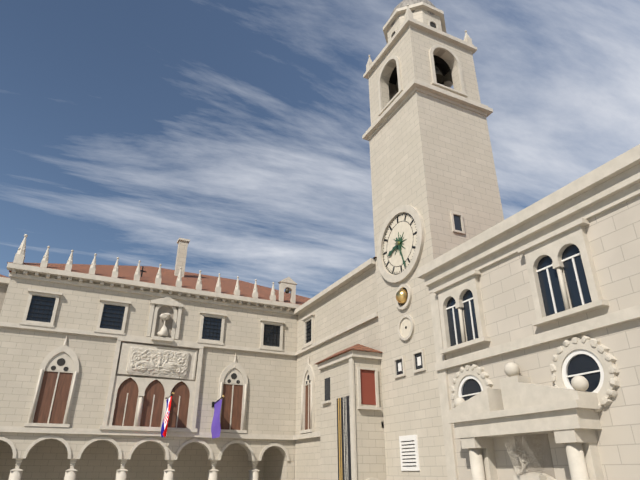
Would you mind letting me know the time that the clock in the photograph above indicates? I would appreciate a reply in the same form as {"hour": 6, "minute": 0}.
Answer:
{"hour": 8, "minute": 27}
